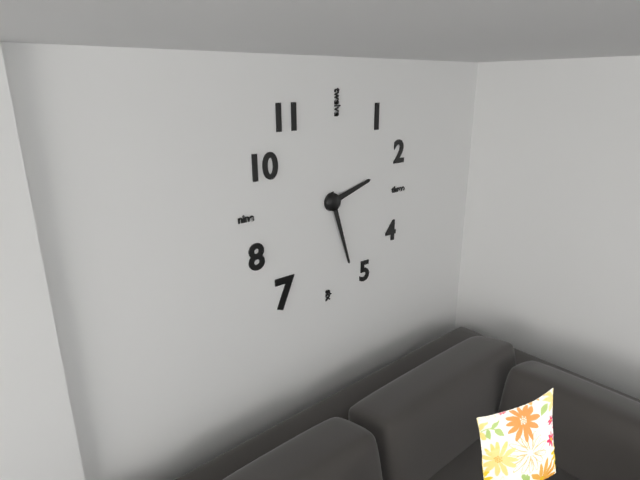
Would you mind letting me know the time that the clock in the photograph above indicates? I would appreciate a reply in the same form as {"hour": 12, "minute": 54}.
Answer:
{"hour": 2, "minute": 27}
